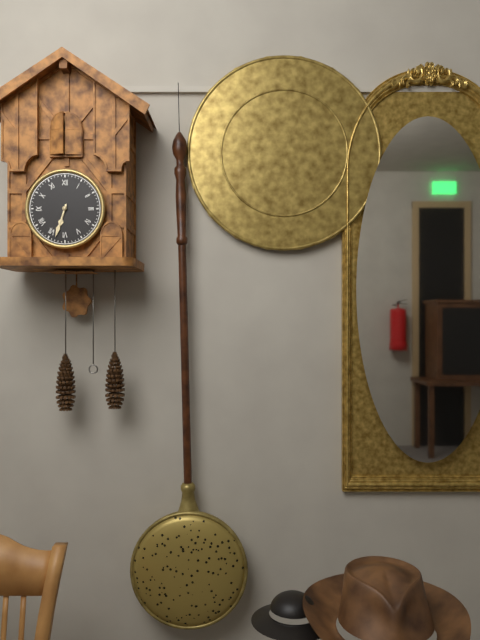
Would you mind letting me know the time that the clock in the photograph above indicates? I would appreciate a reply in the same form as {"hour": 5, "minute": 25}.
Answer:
{"hour": 6, "minute": 33}
